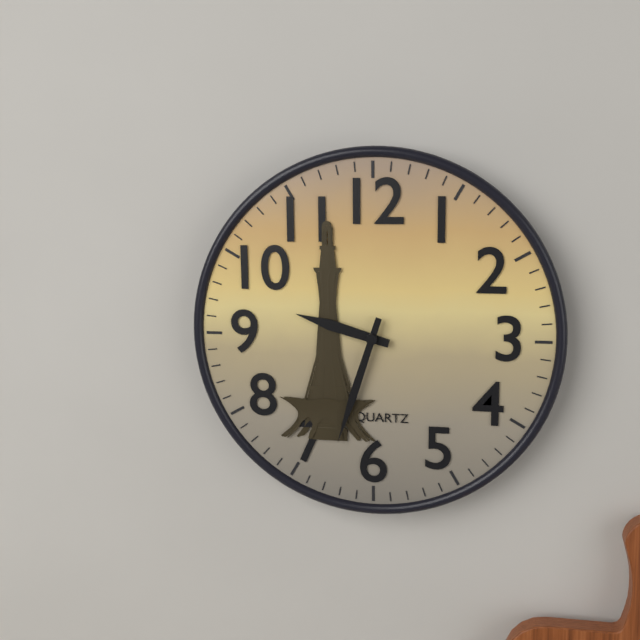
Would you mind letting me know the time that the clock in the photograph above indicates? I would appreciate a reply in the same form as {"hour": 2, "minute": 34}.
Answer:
{"hour": 9, "minute": 33}
